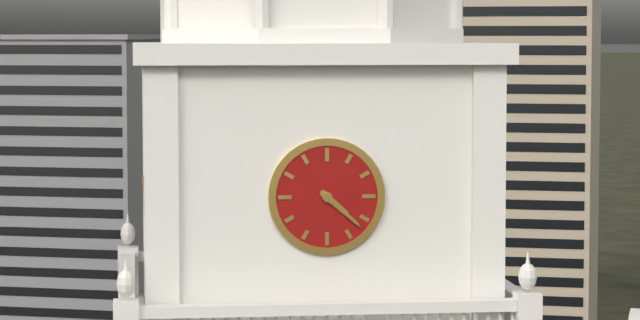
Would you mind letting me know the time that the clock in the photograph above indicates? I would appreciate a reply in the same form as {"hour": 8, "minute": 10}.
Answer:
{"hour": 4, "minute": 22}
